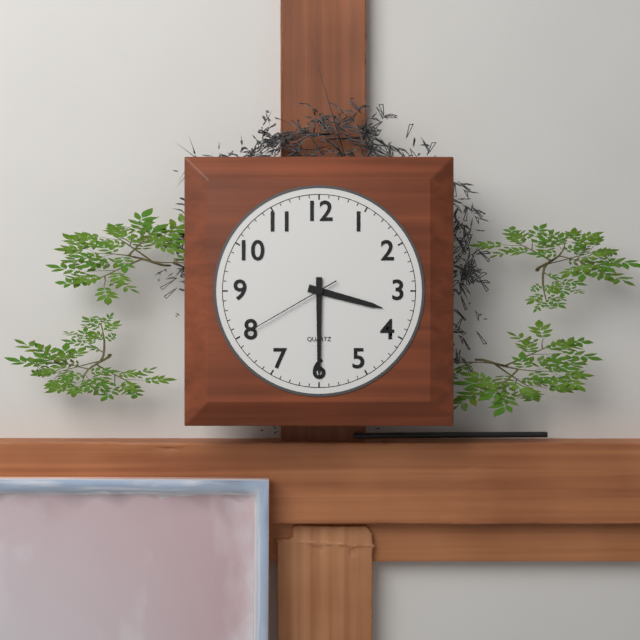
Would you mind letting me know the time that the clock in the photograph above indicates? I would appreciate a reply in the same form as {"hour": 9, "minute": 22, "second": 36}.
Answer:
{"hour": 3, "minute": 30, "second": 40}
